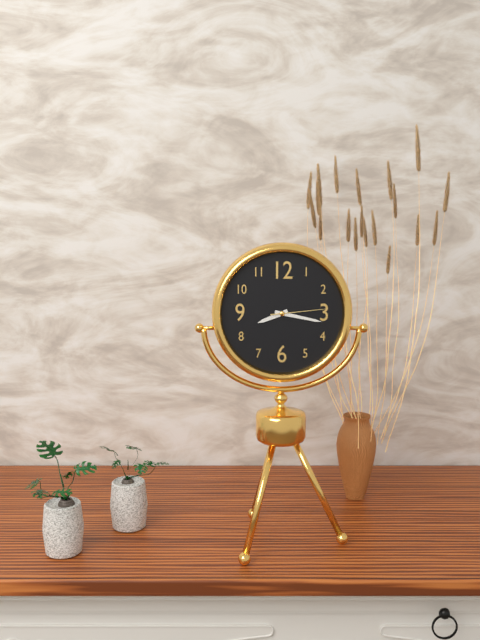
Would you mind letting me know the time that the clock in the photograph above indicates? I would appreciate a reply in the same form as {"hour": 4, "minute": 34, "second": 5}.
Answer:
{"hour": 8, "minute": 17, "second": 14}
